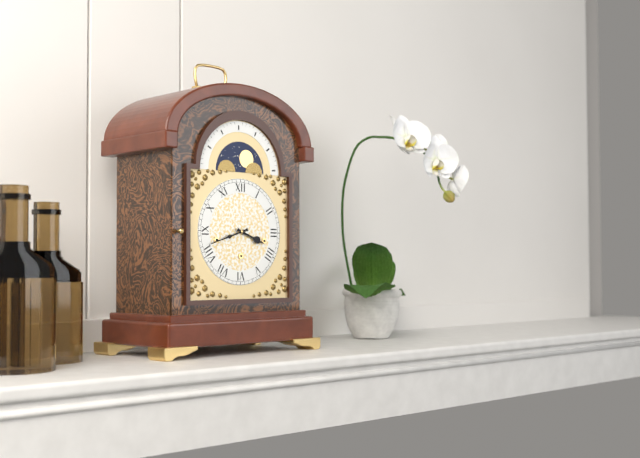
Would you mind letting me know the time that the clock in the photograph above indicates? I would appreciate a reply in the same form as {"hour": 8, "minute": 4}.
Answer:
{"hour": 3, "minute": 42}
